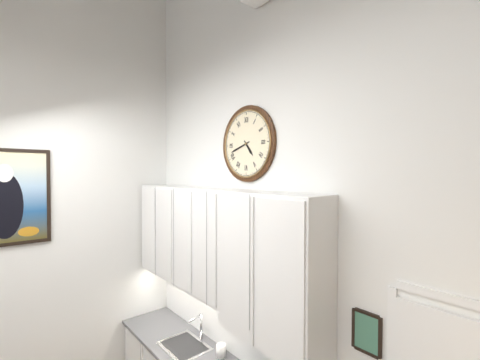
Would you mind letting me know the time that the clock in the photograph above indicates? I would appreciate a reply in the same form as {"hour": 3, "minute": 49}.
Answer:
{"hour": 4, "minute": 42}
